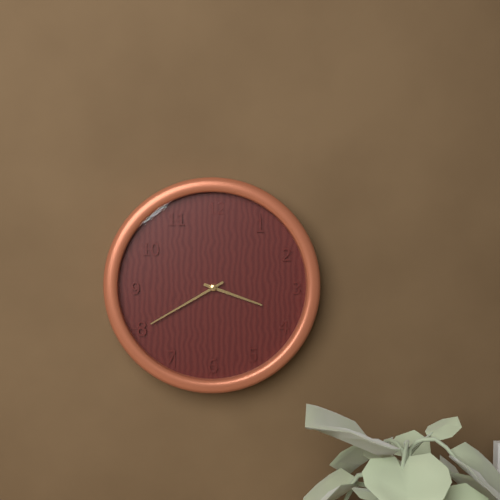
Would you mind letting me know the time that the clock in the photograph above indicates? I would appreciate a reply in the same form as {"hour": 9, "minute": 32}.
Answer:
{"hour": 3, "minute": 40}
